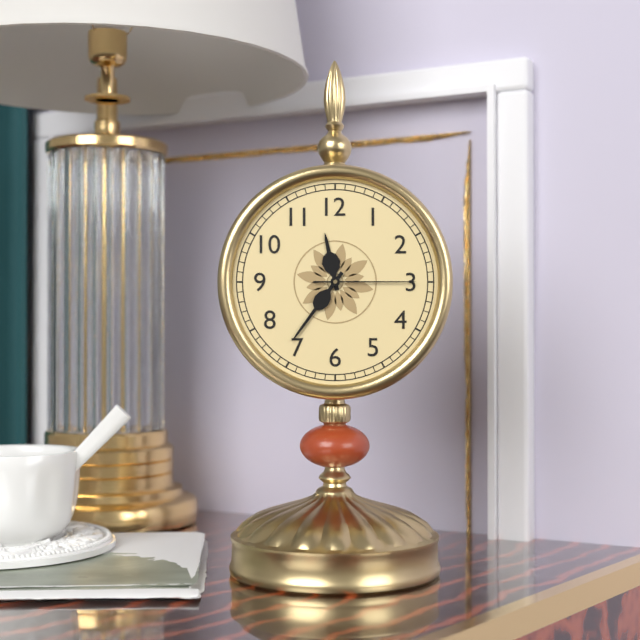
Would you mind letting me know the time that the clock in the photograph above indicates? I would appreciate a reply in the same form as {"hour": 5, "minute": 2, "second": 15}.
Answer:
{"hour": 11, "minute": 36, "second": 15}
